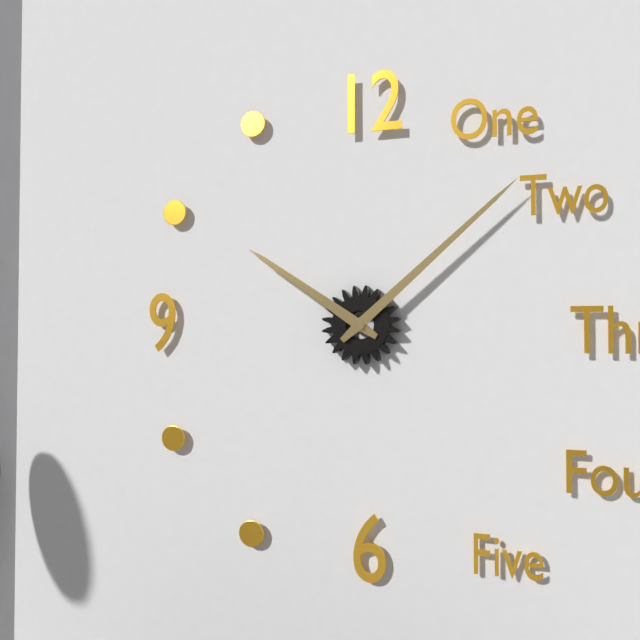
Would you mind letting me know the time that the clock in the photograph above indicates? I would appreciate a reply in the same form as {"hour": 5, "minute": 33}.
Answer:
{"hour": 10, "minute": 8}
